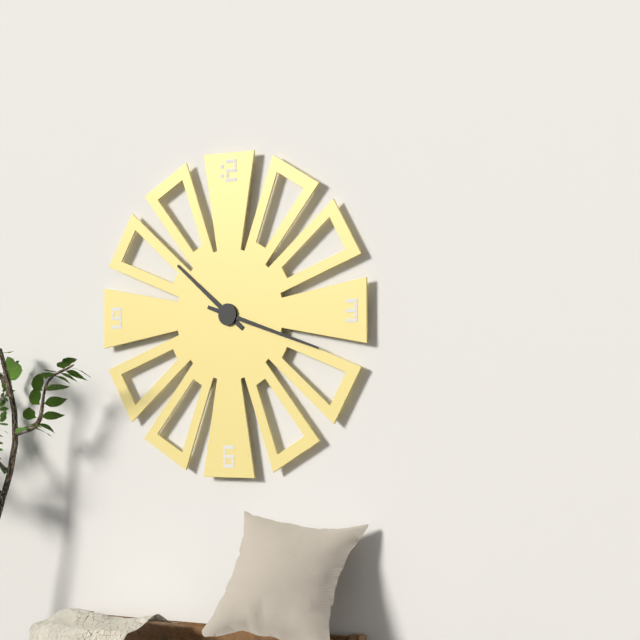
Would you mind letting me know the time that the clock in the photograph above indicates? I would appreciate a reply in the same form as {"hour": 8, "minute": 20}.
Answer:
{"hour": 10, "minute": 18}
